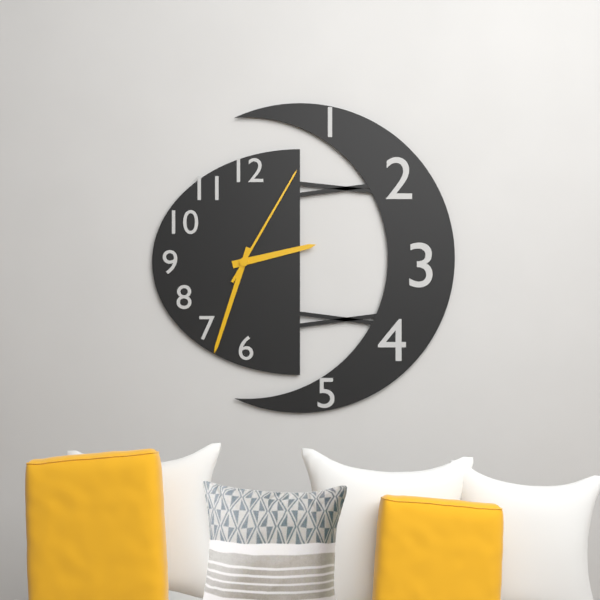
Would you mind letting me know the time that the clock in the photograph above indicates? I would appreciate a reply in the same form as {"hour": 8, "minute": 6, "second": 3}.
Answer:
{"hour": 2, "minute": 33, "second": 5}
